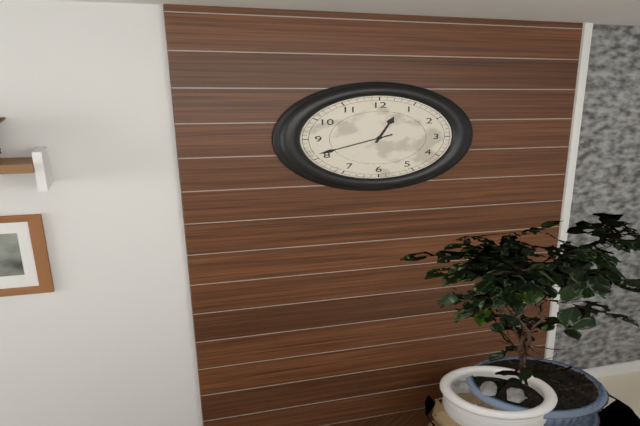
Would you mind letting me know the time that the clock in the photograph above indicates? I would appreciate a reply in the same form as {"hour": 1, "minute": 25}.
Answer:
{"hour": 12, "minute": 41}
